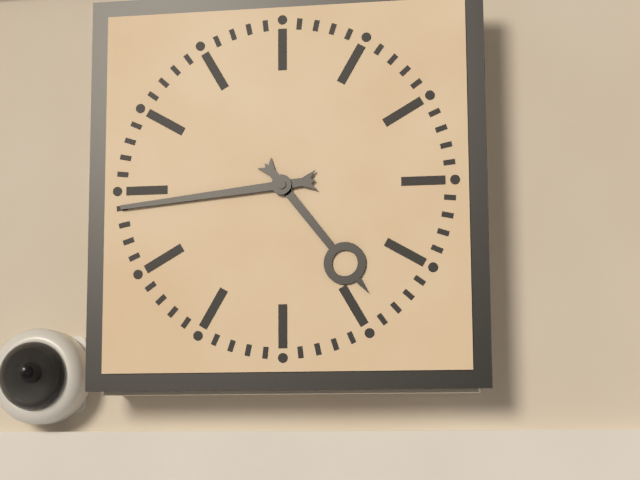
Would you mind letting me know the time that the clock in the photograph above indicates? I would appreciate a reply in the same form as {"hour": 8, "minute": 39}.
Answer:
{"hour": 4, "minute": 44}
